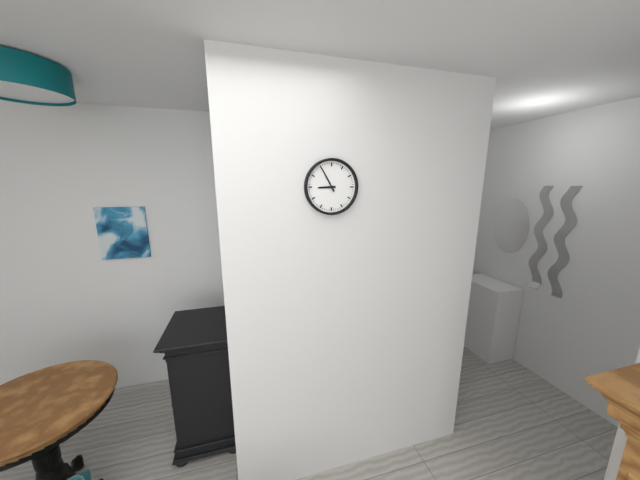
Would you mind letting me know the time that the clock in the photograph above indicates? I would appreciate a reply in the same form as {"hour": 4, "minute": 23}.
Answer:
{"hour": 8, "minute": 55}
